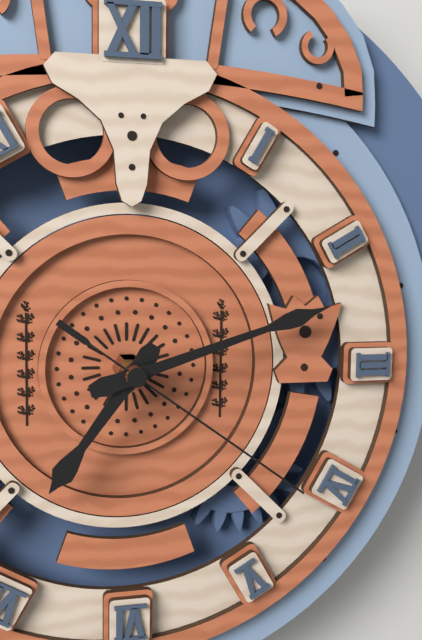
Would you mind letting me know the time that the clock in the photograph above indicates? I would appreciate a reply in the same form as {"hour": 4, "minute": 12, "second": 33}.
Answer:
{"hour": 7, "minute": 12, "second": 21}
